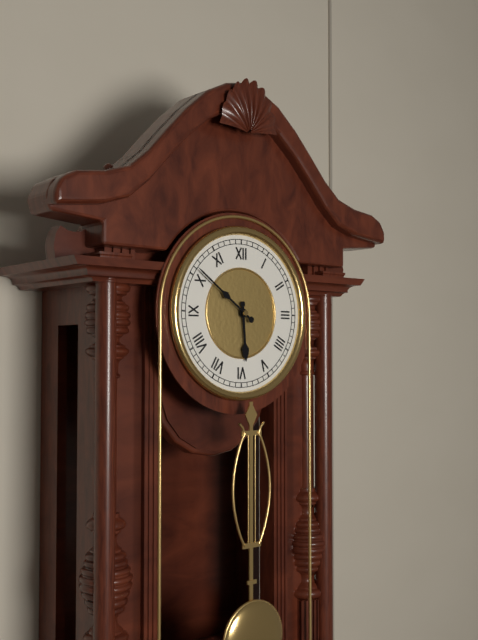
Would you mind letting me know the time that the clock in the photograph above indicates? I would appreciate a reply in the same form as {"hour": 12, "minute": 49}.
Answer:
{"hour": 5, "minute": 51}
